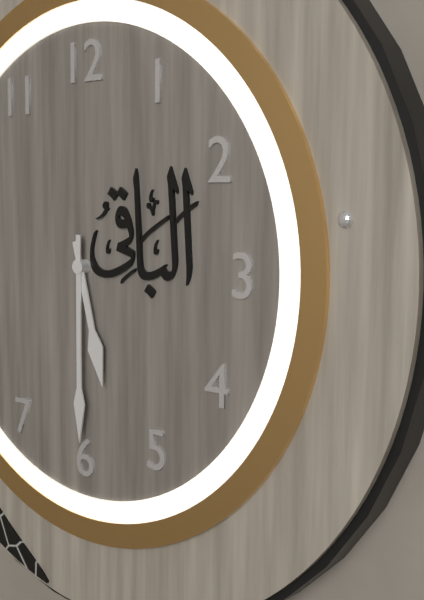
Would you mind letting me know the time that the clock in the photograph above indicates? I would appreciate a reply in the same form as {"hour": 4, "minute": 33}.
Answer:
{"hour": 5, "minute": 30}
